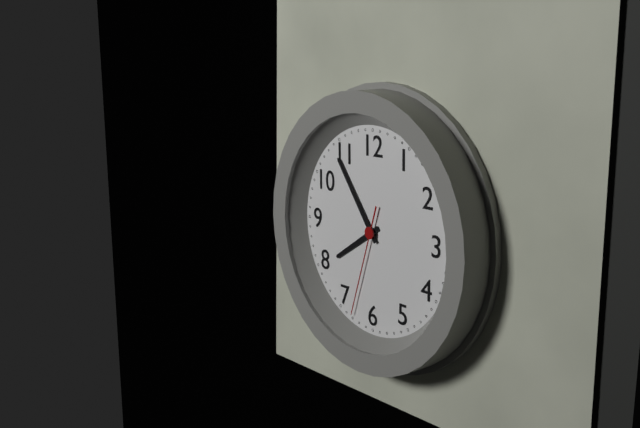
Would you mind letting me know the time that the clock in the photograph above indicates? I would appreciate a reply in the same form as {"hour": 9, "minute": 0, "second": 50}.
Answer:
{"hour": 7, "minute": 54, "second": 33}
